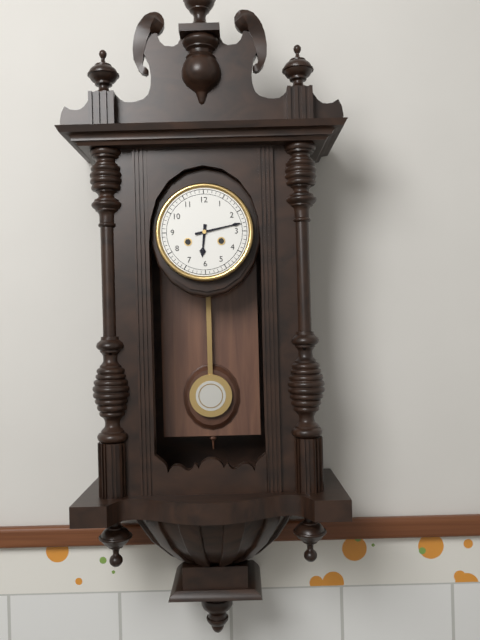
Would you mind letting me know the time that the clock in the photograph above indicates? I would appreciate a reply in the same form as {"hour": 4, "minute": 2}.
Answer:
{"hour": 6, "minute": 13}
